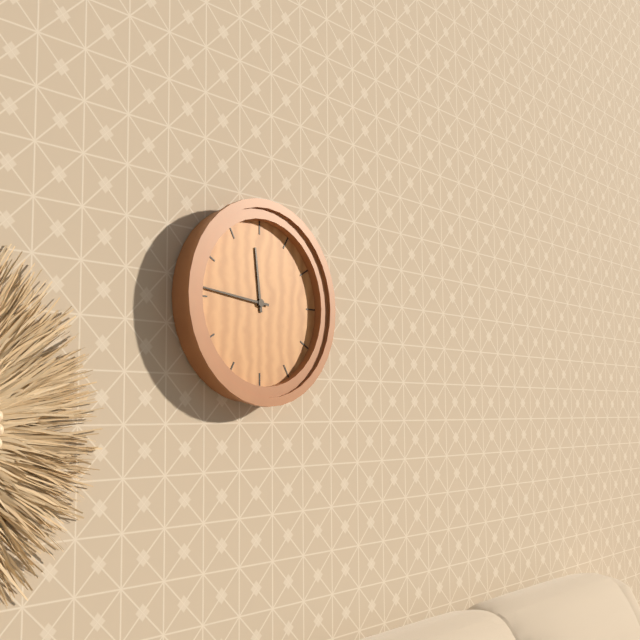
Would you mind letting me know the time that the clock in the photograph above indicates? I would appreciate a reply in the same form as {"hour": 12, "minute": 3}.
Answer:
{"hour": 11, "minute": 46}
